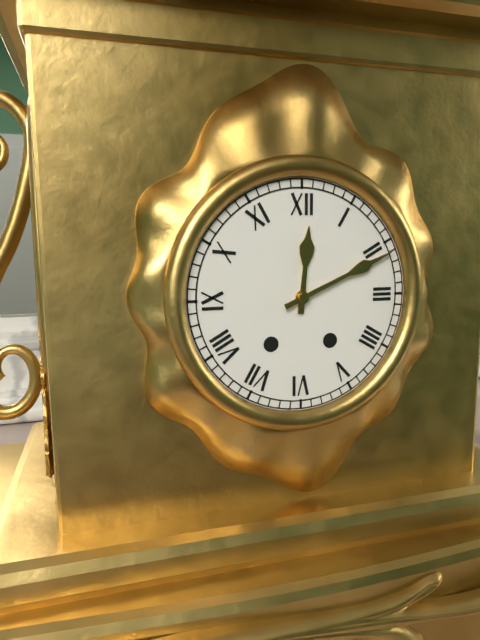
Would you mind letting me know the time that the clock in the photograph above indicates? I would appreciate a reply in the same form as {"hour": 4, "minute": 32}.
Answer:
{"hour": 12, "minute": 11}
